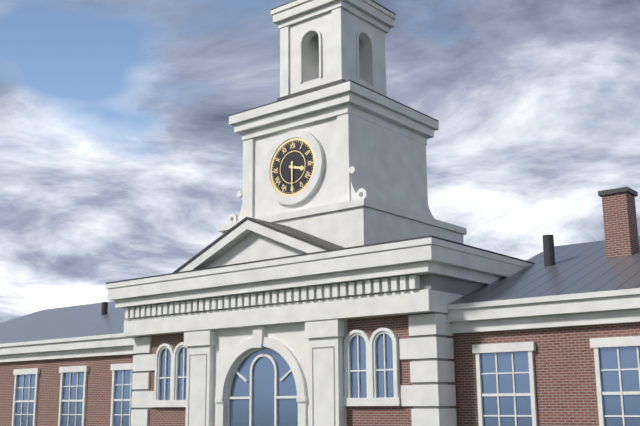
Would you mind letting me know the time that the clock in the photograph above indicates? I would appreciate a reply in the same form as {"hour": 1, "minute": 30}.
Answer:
{"hour": 3, "minute": 30}
